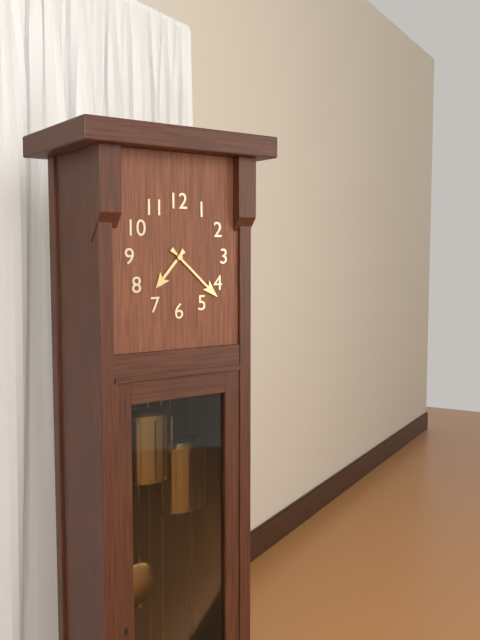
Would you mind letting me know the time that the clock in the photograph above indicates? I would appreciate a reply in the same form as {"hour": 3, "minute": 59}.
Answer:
{"hour": 7, "minute": 22}
